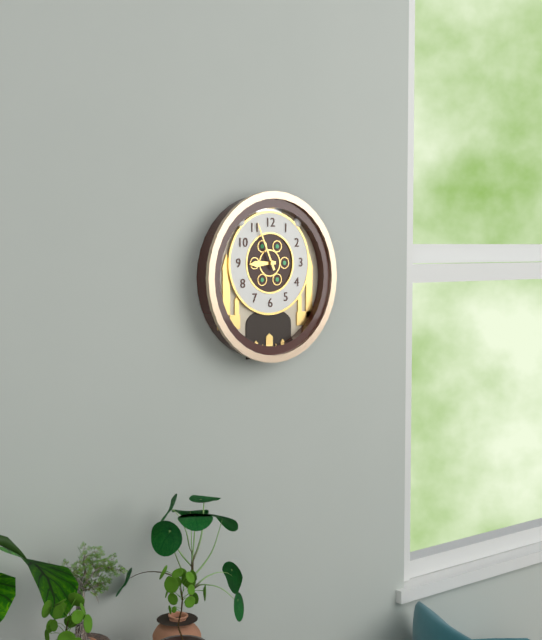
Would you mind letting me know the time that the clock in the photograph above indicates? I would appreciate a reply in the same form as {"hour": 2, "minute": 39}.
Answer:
{"hour": 8, "minute": 56}
